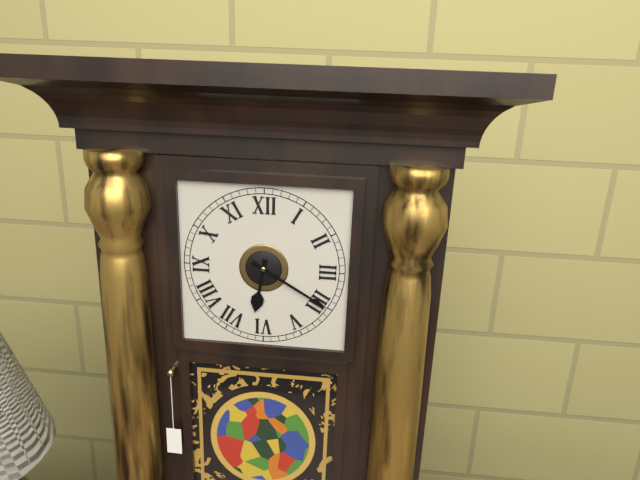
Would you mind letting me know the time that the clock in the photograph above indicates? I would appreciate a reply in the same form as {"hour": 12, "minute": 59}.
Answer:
{"hour": 6, "minute": 20}
